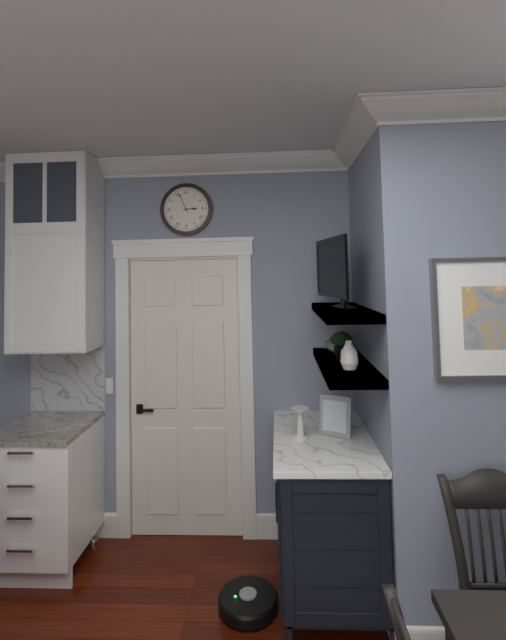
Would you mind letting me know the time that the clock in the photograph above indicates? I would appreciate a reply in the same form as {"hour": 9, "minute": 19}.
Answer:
{"hour": 2, "minute": 56}
